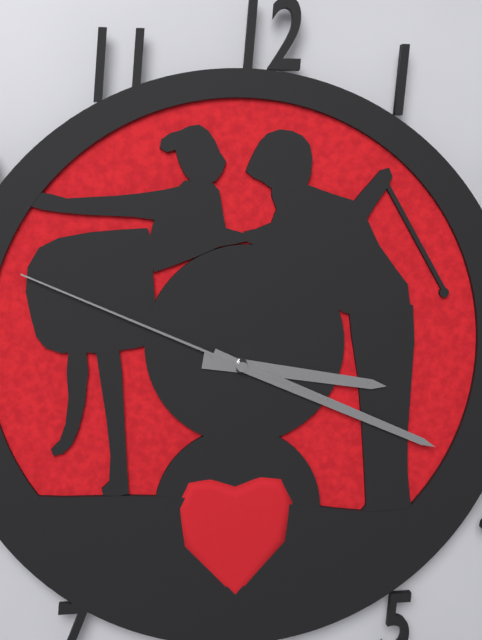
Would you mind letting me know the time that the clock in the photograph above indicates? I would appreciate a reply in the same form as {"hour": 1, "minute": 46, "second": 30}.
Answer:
{"hour": 3, "minute": 19, "second": 49}
